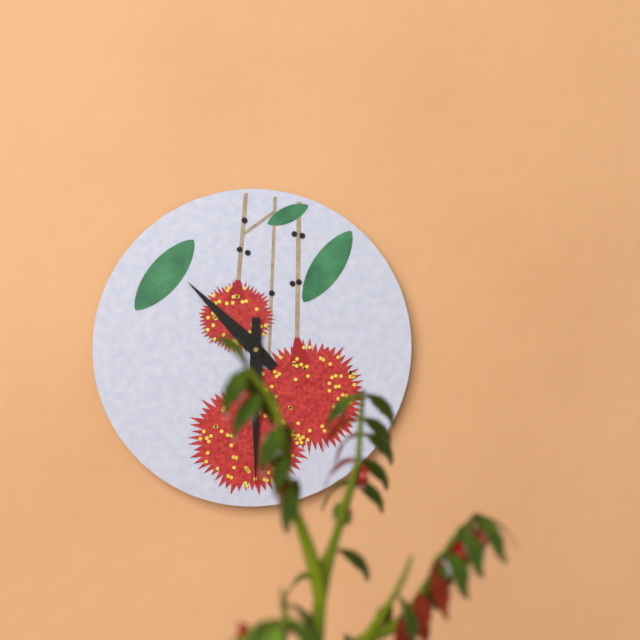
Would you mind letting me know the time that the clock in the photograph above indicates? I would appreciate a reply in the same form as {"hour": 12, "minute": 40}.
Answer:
{"hour": 10, "minute": 30}
